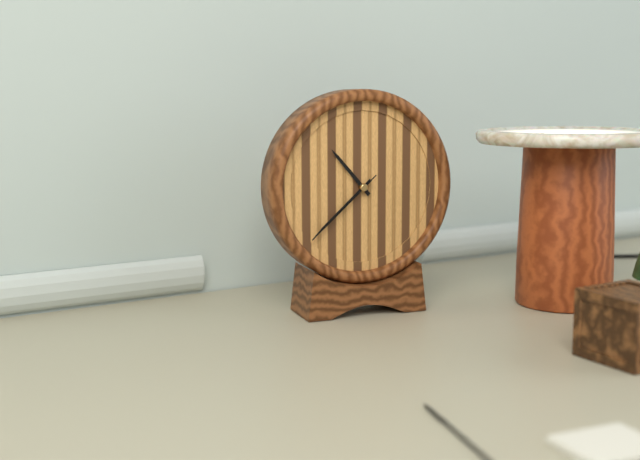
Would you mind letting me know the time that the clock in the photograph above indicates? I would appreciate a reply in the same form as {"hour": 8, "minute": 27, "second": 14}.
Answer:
{"hour": 10, "minute": 38, "second": 38}
